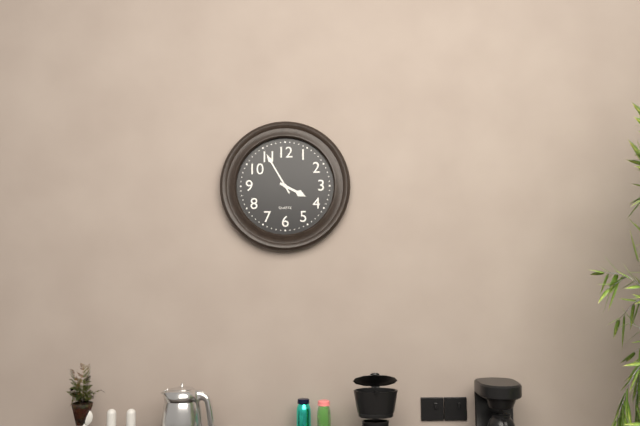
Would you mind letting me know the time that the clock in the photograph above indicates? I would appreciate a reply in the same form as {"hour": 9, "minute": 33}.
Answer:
{"hour": 3, "minute": 55}
